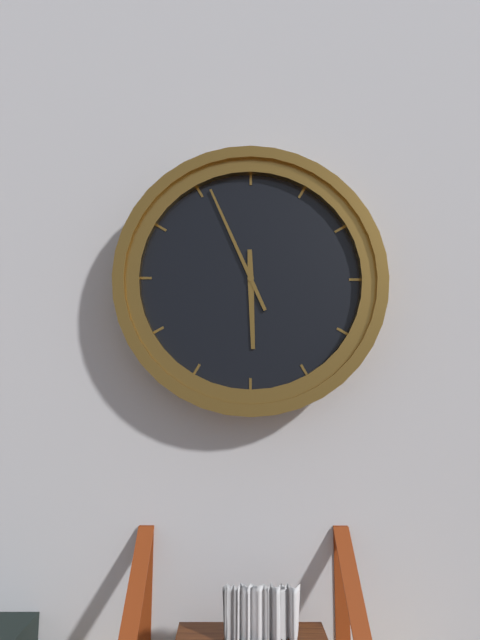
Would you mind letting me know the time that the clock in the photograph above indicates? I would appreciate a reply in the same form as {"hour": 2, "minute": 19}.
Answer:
{"hour": 5, "minute": 56}
